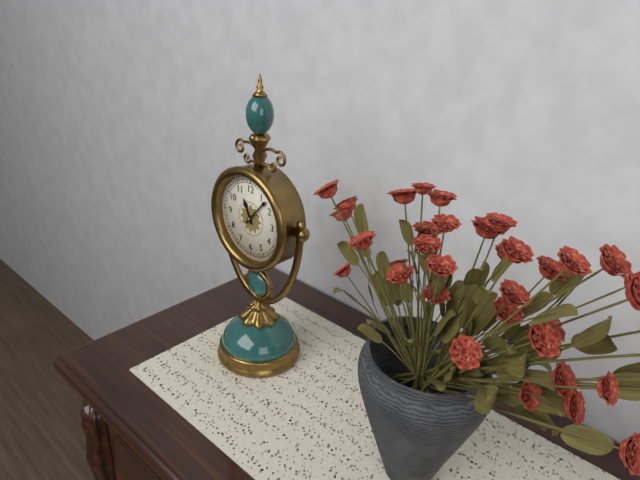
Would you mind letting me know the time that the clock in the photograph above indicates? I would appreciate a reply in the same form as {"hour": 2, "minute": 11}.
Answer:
{"hour": 11, "minute": 7}
